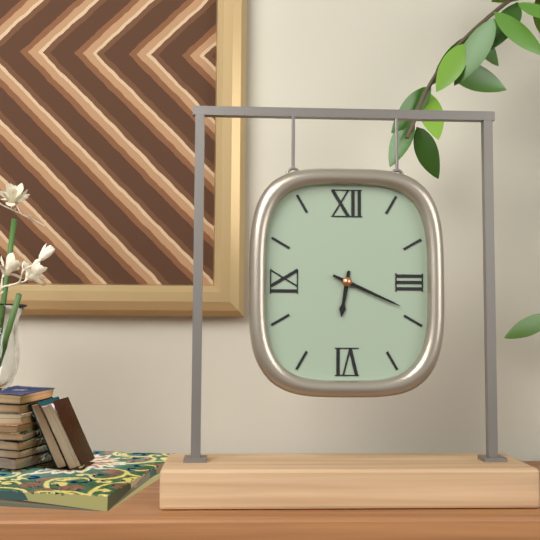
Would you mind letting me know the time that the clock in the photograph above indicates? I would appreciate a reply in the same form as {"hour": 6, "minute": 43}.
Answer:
{"hour": 6, "minute": 19}
